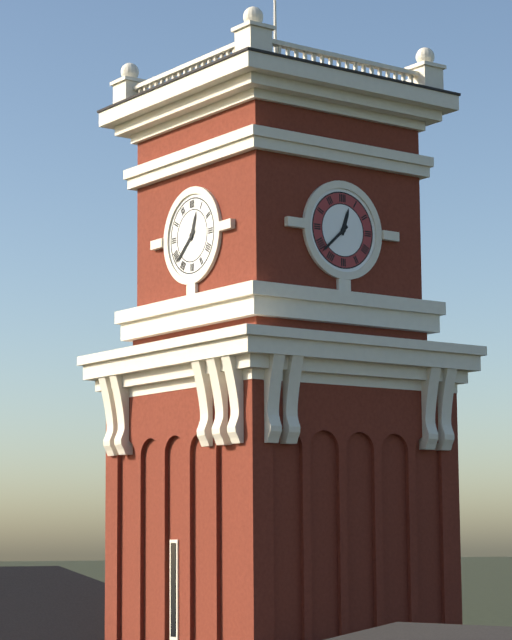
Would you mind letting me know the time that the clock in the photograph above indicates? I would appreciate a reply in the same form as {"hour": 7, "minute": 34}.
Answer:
{"hour": 12, "minute": 38}
